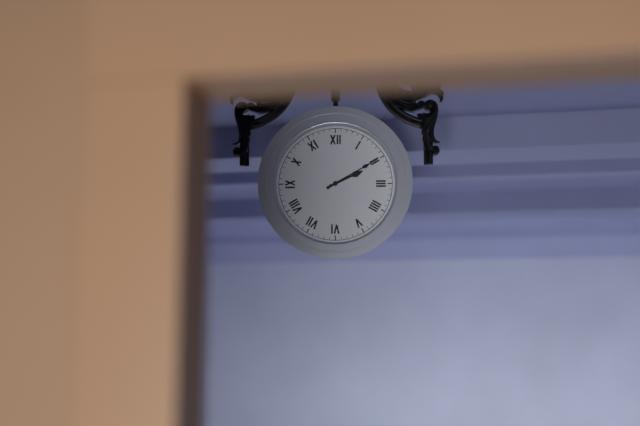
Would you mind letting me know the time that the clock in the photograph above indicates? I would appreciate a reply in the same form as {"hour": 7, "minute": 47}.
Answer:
{"hour": 2, "minute": 10}
